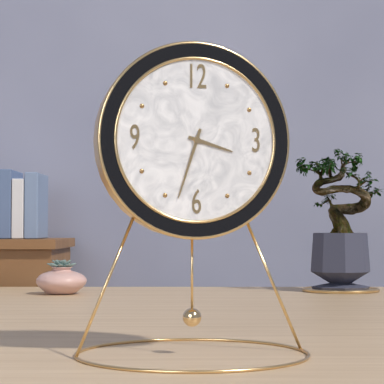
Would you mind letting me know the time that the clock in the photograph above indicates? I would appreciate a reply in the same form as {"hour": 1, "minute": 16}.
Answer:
{"hour": 3, "minute": 33}
